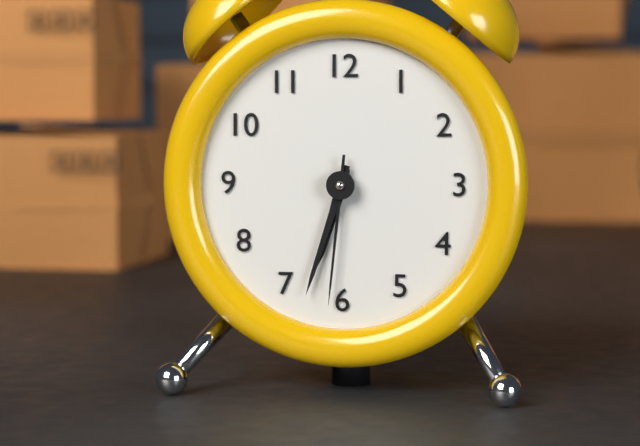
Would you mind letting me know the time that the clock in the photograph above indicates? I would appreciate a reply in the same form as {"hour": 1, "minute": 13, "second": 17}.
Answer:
{"hour": 6, "minute": 33, "second": 31}
